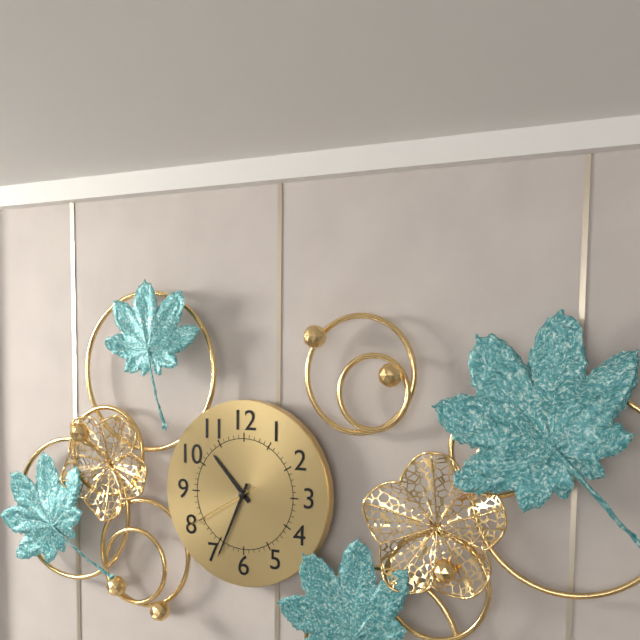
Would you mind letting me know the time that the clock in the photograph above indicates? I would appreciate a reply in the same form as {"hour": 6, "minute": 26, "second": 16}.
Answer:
{"hour": 10, "minute": 34, "second": 40}
